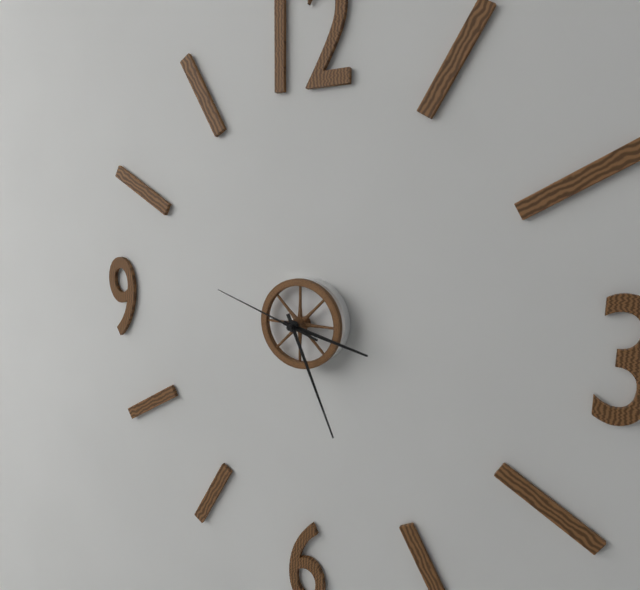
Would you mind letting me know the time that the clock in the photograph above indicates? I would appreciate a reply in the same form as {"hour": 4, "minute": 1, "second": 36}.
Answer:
{"hour": 3, "minute": 26, "second": 48}
